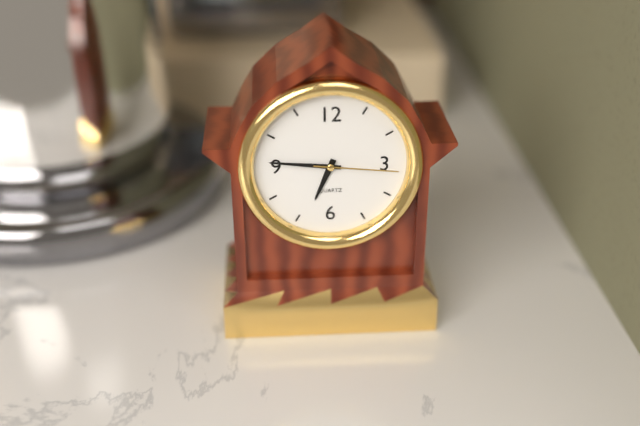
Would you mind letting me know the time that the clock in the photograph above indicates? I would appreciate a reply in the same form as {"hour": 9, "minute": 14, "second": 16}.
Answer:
{"hour": 6, "minute": 46, "second": 16}
